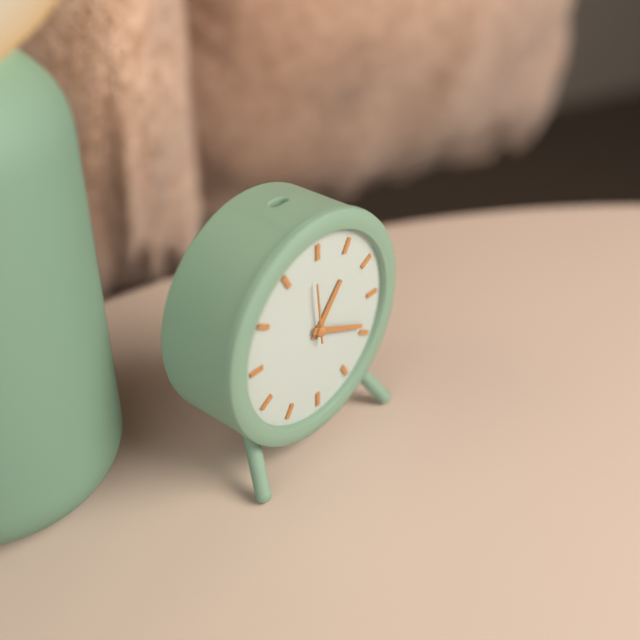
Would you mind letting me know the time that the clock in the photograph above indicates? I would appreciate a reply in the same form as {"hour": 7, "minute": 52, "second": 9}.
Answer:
{"hour": 1, "minute": 19, "second": 59}
